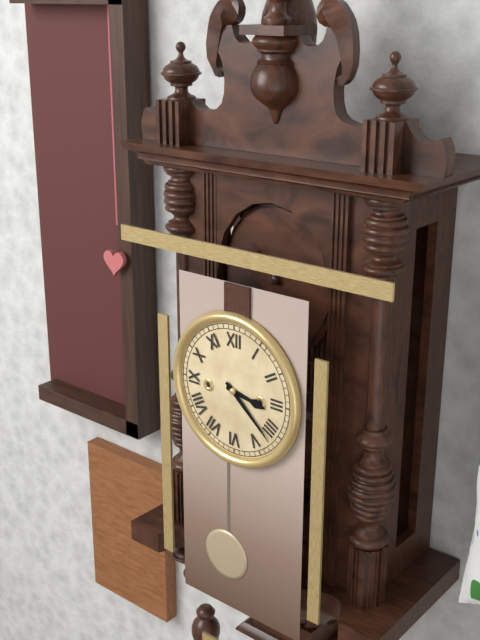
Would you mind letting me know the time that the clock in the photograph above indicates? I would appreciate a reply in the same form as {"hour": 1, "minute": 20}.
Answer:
{"hour": 3, "minute": 22}
